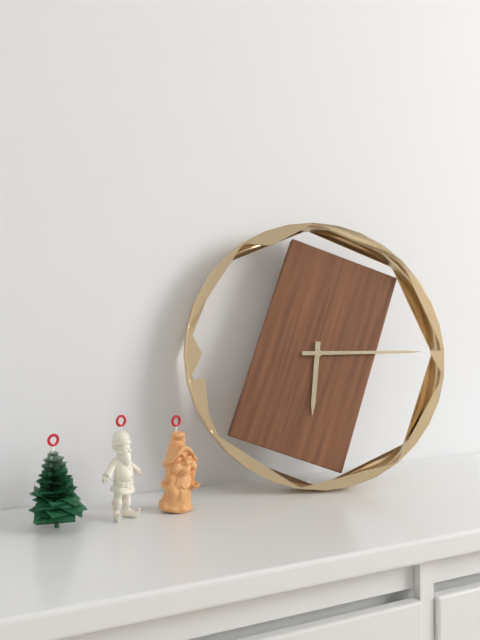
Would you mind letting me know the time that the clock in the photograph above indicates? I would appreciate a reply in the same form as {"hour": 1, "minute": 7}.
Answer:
{"hour": 6, "minute": 15}
